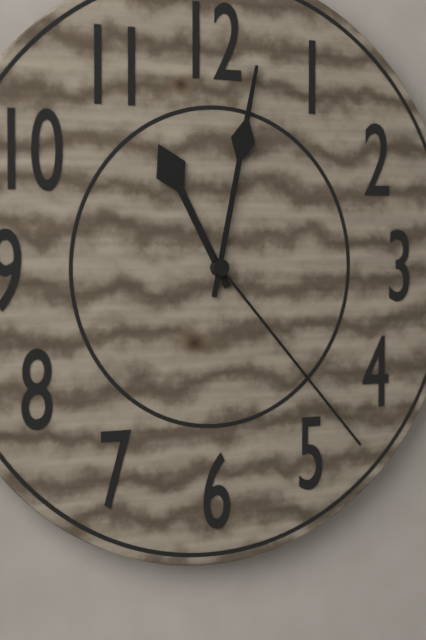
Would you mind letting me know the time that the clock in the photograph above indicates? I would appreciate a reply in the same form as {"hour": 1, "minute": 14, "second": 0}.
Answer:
{"hour": 11, "minute": 2, "second": 23}
